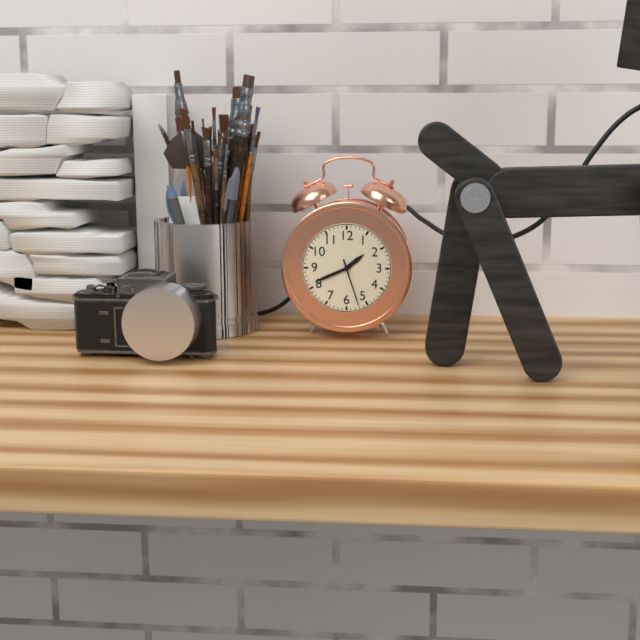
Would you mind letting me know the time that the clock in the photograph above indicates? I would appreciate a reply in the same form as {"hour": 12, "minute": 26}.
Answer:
{"hour": 1, "minute": 41}
